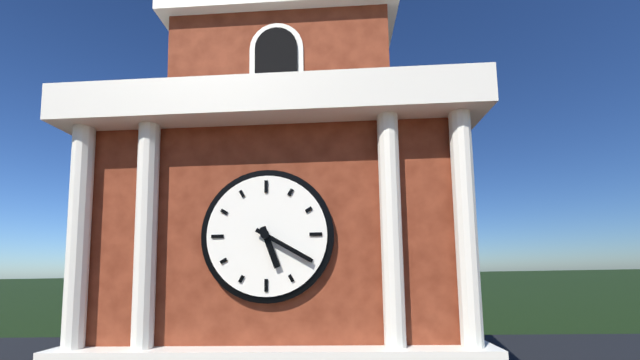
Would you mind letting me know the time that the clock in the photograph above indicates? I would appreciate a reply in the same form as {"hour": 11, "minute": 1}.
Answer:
{"hour": 5, "minute": 20}
